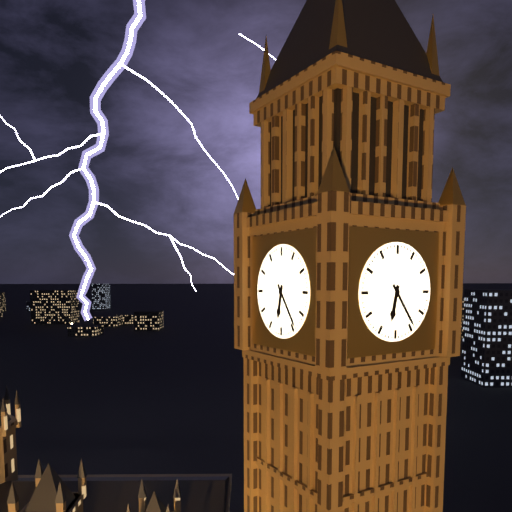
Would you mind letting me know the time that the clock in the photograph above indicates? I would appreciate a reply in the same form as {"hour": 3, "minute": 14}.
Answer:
{"hour": 6, "minute": 24}
